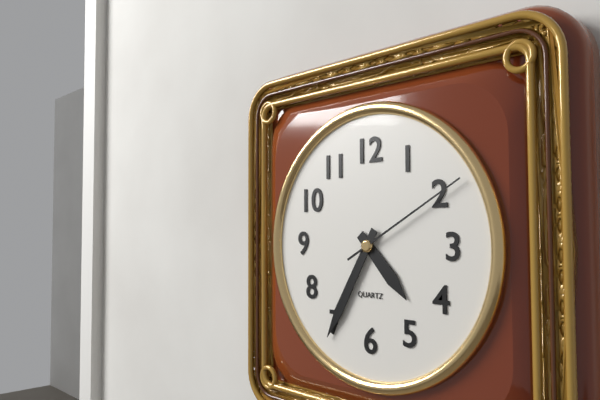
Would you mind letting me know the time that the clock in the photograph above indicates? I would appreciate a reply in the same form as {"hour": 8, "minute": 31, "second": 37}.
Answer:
{"hour": 4, "minute": 35, "second": 10}
